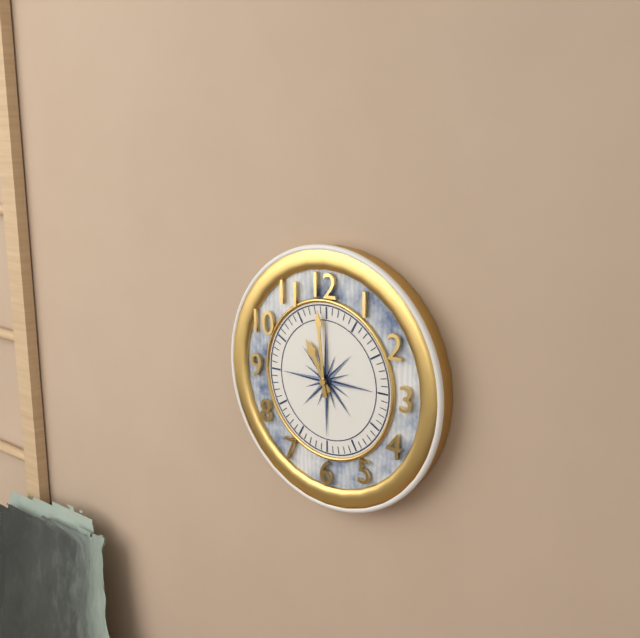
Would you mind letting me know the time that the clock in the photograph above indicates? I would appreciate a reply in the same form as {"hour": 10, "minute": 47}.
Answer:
{"hour": 10, "minute": 59}
